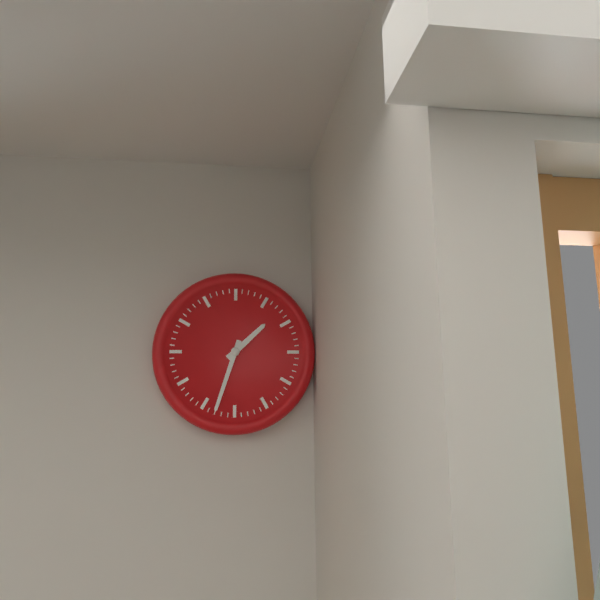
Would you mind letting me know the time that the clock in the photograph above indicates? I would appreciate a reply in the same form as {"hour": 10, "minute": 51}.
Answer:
{"hour": 1, "minute": 33}
